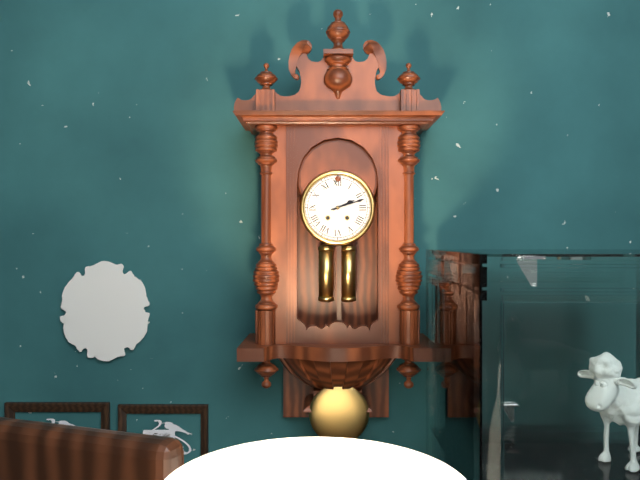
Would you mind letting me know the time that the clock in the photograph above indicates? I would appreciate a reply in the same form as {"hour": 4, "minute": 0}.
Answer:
{"hour": 2, "minute": 12}
